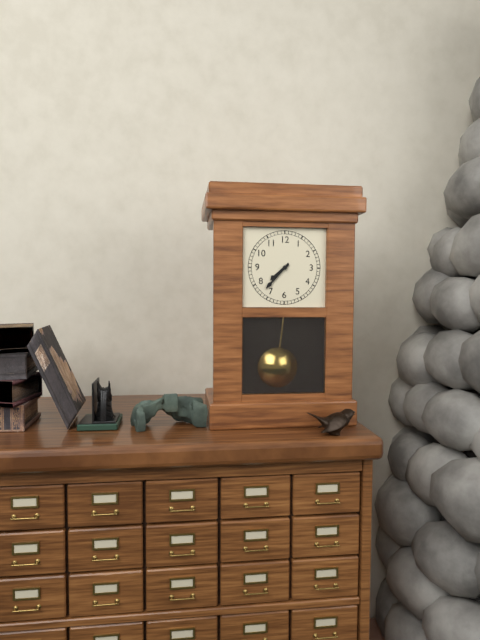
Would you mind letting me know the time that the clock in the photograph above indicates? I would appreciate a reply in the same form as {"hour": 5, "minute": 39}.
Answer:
{"hour": 7, "minute": 37}
